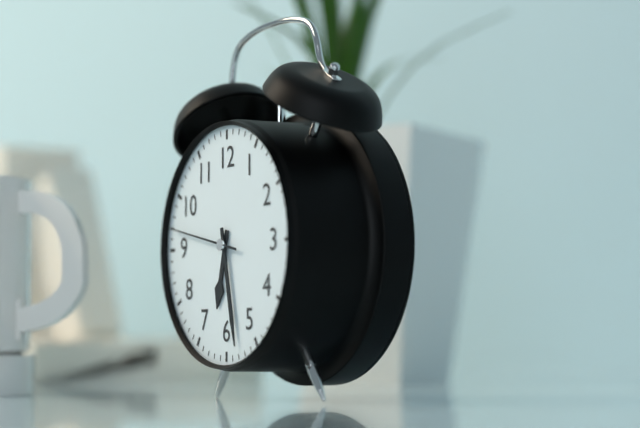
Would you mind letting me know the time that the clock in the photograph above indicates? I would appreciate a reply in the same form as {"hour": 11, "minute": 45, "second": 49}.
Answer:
{"hour": 6, "minute": 28, "second": 47}
